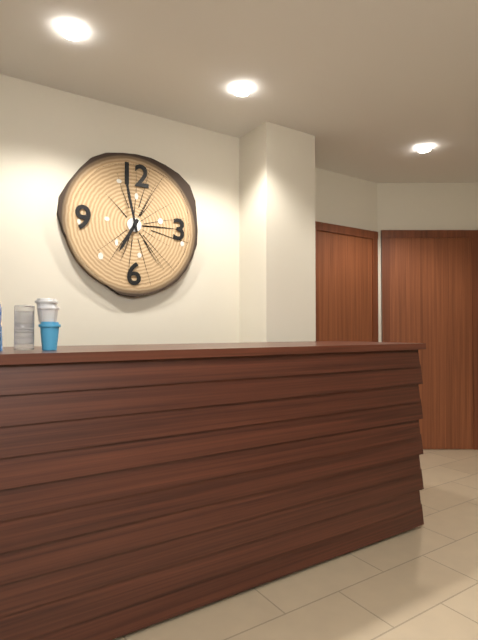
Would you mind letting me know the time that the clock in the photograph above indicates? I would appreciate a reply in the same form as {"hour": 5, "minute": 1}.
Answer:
{"hour": 6, "minute": 58}
